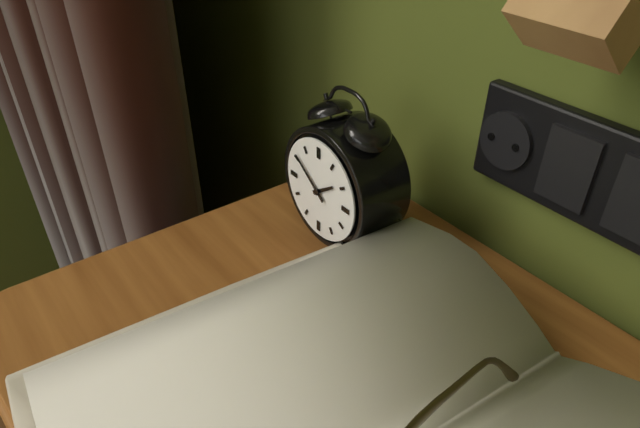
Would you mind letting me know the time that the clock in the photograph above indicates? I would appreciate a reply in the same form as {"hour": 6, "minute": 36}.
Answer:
{"hour": 1, "minute": 51}
